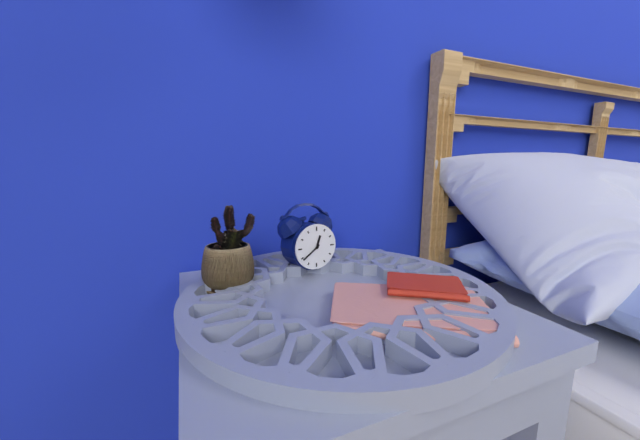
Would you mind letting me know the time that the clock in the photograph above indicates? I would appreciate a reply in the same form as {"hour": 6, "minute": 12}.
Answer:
{"hour": 12, "minute": 39}
